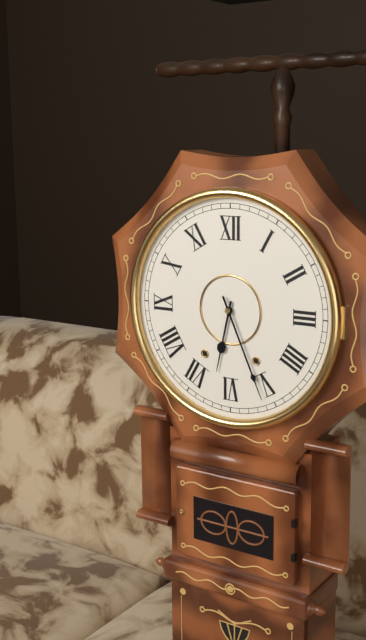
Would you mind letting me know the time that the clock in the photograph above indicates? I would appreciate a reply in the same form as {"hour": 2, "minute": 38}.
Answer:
{"hour": 6, "minute": 26}
